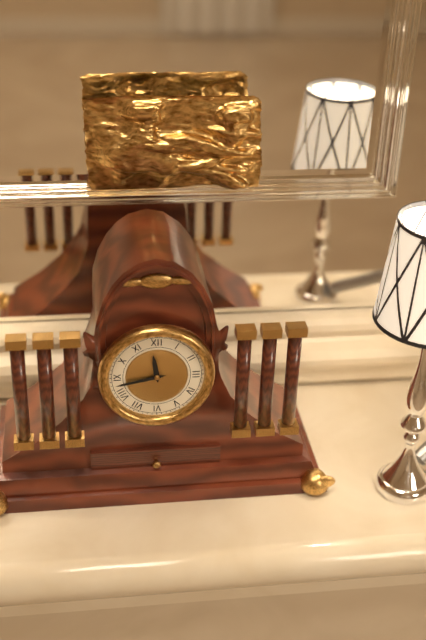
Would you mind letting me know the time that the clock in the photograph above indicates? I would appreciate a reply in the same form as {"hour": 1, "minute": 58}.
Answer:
{"hour": 11, "minute": 43}
